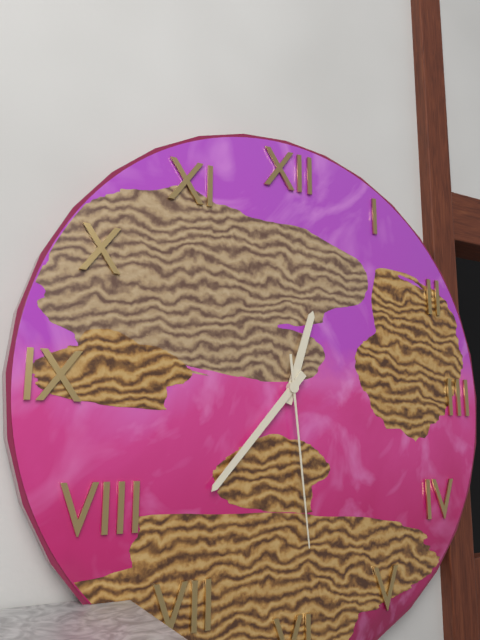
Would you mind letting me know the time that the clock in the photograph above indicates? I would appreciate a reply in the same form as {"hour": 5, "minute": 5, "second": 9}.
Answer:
{"hour": 12, "minute": 37, "second": 29}
